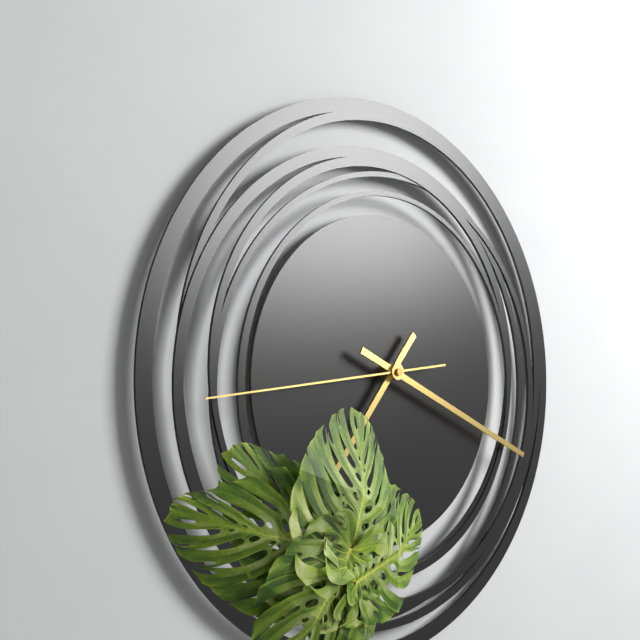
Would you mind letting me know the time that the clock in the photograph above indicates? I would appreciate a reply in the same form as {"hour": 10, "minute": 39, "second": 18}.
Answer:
{"hour": 7, "minute": 19, "second": 44}
